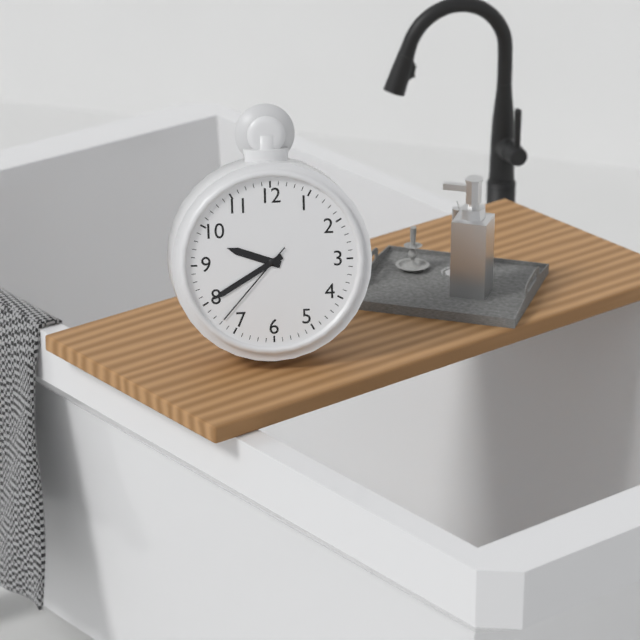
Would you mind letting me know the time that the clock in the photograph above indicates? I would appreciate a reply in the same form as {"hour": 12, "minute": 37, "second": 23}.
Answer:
{"hour": 9, "minute": 40, "second": 37}
